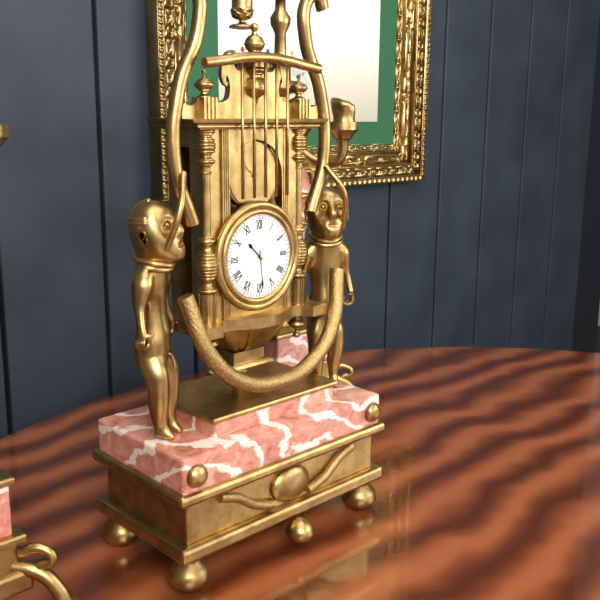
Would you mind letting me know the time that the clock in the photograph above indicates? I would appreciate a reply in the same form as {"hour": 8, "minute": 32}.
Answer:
{"hour": 10, "minute": 29}
